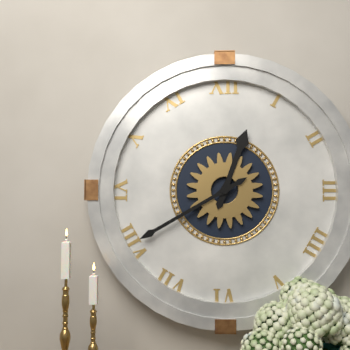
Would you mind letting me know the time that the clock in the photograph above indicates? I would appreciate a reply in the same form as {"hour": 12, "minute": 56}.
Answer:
{"hour": 12, "minute": 40}
